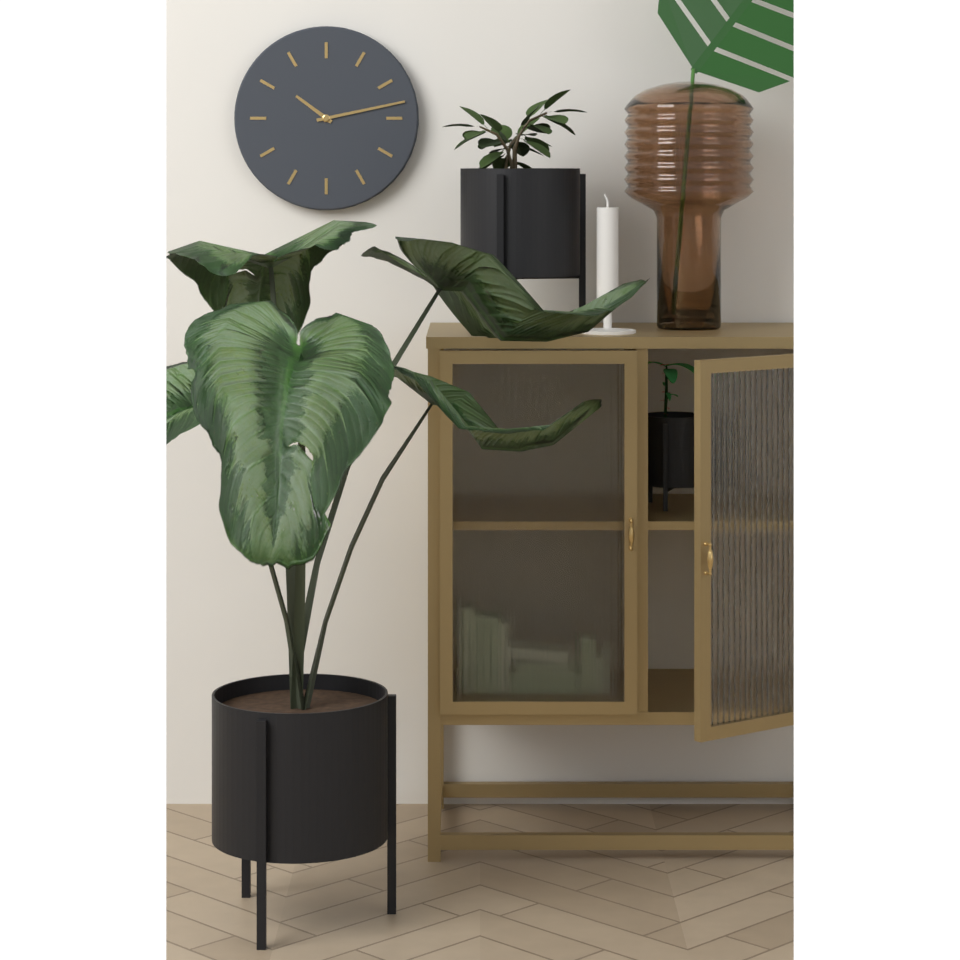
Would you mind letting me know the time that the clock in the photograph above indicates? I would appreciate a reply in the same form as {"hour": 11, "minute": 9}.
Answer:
{"hour": 10, "minute": 13}
